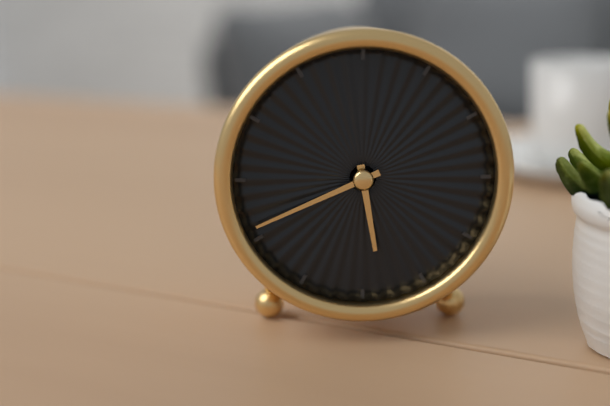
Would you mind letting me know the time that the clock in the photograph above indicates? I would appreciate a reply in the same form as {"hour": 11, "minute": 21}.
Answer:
{"hour": 5, "minute": 41}
